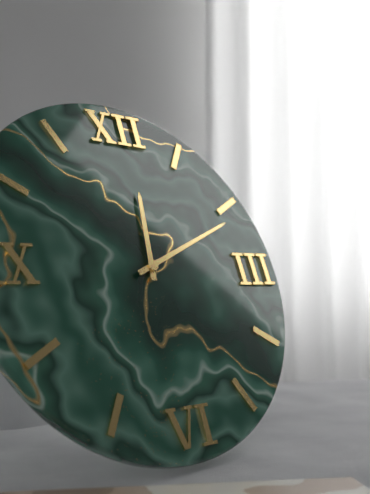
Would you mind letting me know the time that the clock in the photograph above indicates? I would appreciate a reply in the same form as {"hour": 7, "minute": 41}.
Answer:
{"hour": 12, "minute": 11}
